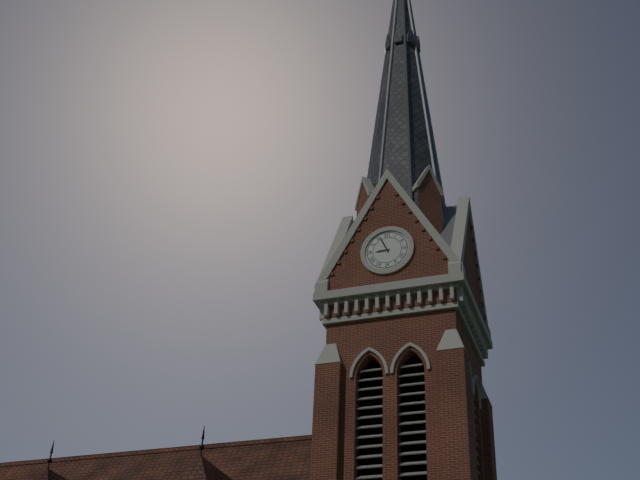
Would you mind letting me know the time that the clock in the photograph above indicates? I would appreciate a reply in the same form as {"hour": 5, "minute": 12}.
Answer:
{"hour": 8, "minute": 56}
